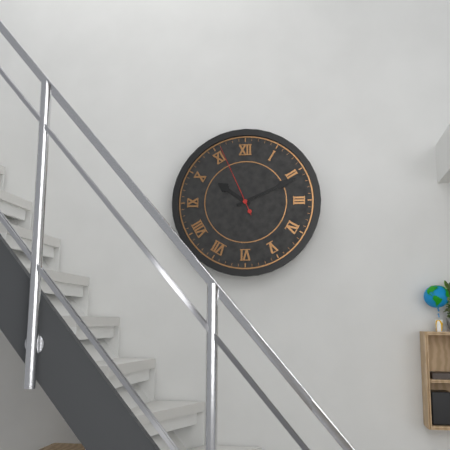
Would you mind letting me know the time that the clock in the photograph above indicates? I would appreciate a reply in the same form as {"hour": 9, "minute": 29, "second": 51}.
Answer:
{"hour": 10, "minute": 11, "second": 56}
